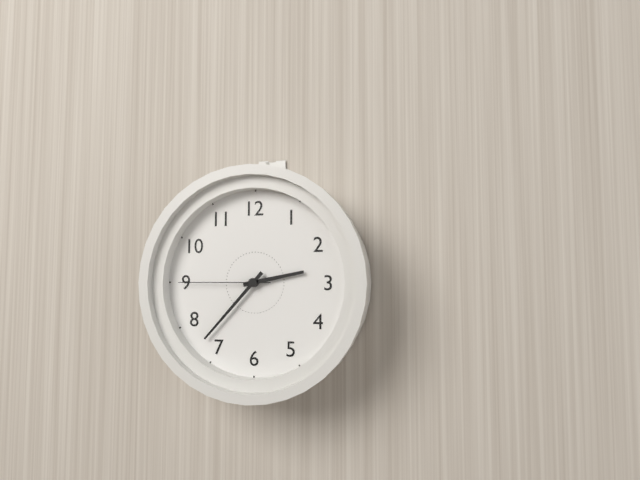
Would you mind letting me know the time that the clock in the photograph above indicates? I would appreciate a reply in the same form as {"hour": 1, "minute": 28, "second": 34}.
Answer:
{"hour": 2, "minute": 37, "second": 45}
